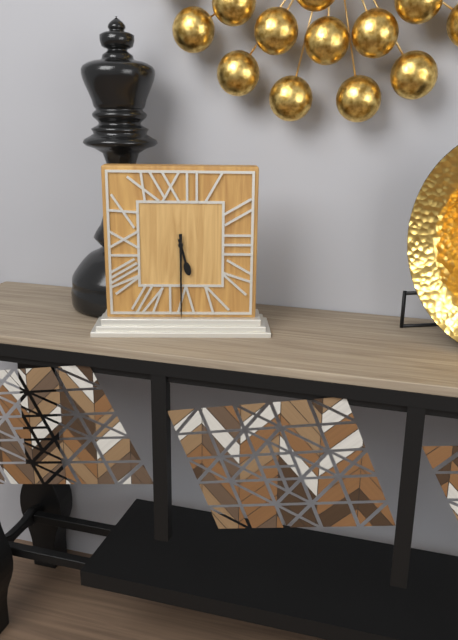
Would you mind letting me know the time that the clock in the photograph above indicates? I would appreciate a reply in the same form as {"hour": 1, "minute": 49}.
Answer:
{"hour": 5, "minute": 30}
